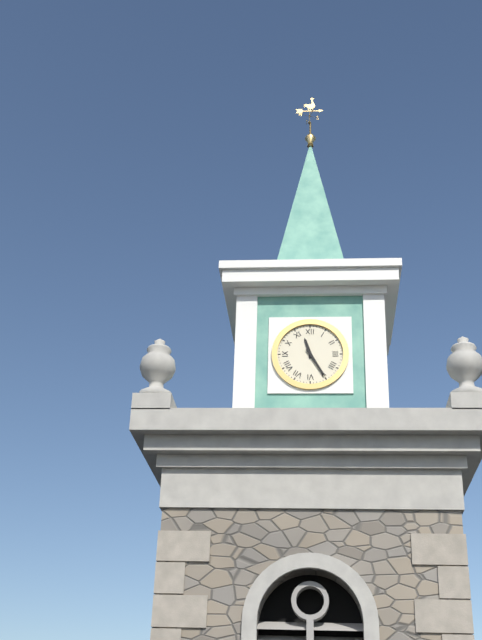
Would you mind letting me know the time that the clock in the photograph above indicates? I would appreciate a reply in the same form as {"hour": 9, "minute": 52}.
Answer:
{"hour": 11, "minute": 25}
